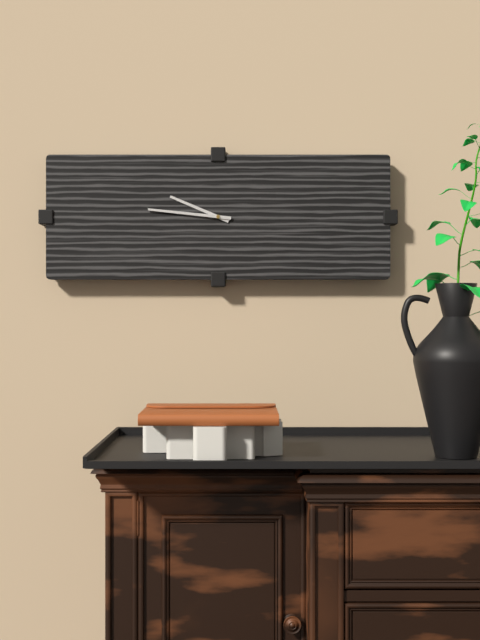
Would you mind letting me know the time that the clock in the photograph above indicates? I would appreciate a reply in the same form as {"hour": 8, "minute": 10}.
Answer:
{"hour": 9, "minute": 46}
